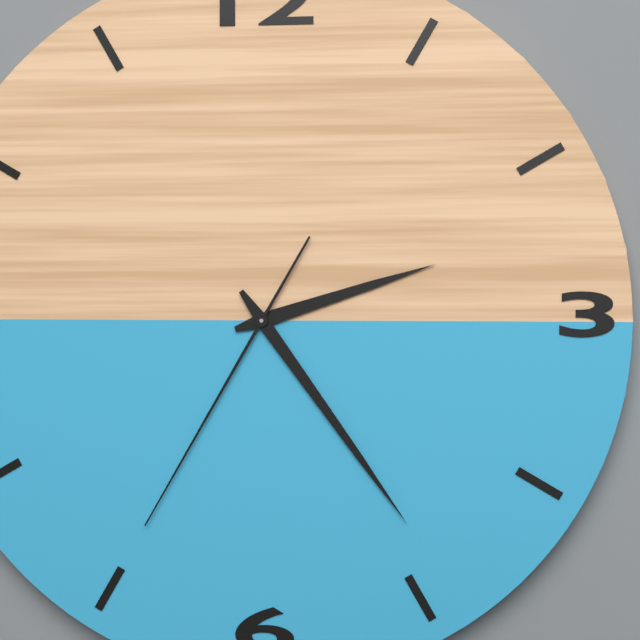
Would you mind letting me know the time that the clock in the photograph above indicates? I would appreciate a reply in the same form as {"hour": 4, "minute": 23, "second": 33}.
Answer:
{"hour": 2, "minute": 24, "second": 35}
